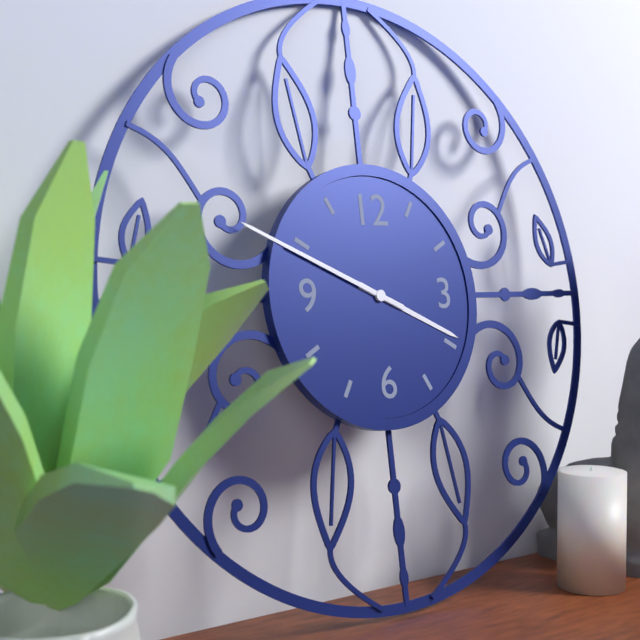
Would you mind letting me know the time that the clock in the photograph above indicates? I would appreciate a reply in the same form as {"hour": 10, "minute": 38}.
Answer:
{"hour": 3, "minute": 49}
